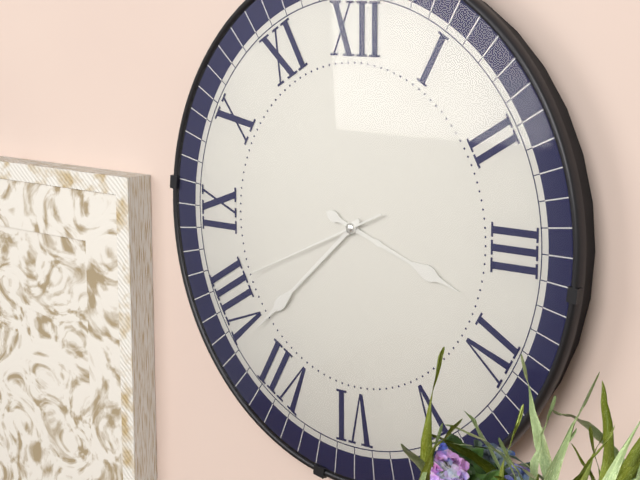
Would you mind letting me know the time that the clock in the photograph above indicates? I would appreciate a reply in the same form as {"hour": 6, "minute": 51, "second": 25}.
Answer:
{"hour": 3, "minute": 38, "second": 41}
